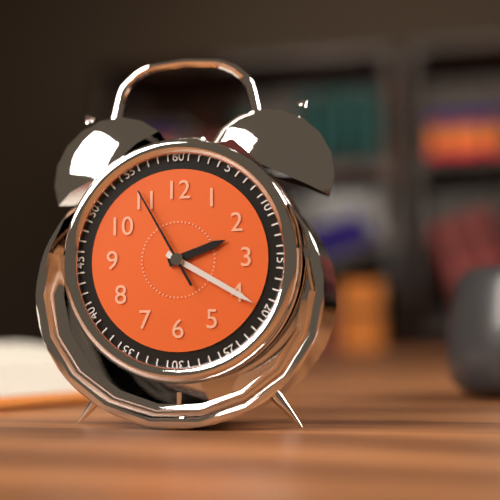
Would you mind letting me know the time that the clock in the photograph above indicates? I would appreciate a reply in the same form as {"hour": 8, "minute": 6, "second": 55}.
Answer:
{"hour": 2, "minute": 20, "second": 55}
